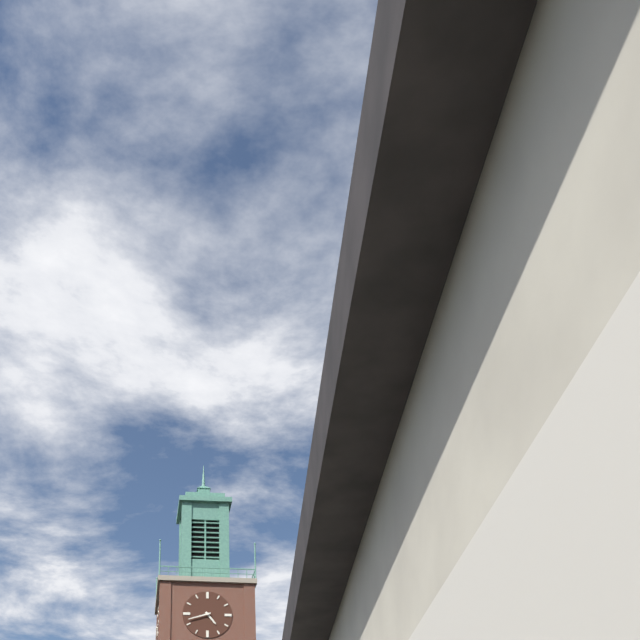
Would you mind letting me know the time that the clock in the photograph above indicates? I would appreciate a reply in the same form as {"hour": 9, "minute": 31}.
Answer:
{"hour": 4, "minute": 42}
